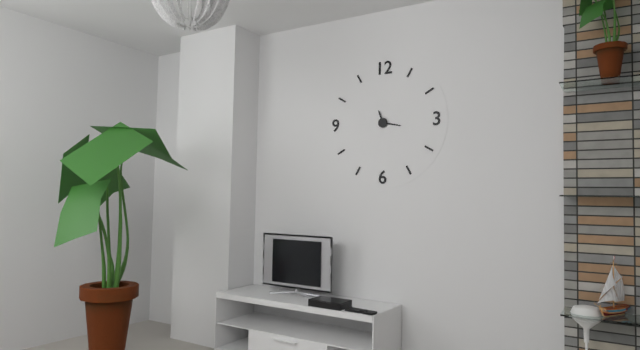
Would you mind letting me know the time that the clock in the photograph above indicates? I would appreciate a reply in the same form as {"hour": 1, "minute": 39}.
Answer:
{"hour": 11, "minute": 17}
